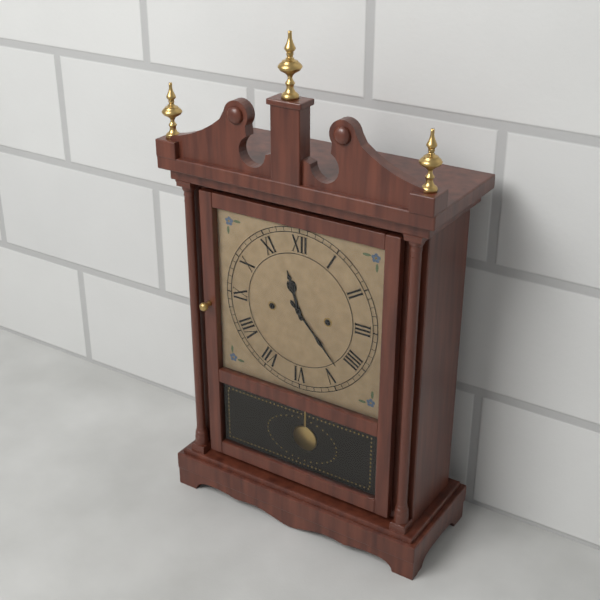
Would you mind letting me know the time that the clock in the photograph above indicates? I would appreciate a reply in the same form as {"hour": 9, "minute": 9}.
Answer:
{"hour": 11, "minute": 23}
